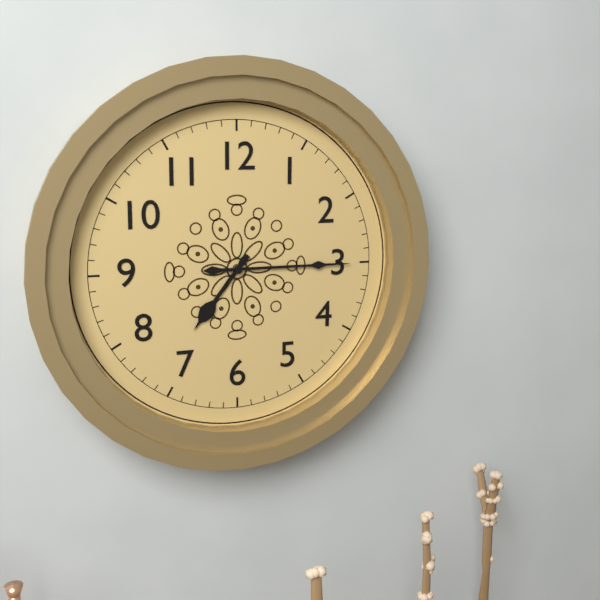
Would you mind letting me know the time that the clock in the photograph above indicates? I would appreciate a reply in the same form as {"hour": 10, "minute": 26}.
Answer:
{"hour": 7, "minute": 15}
